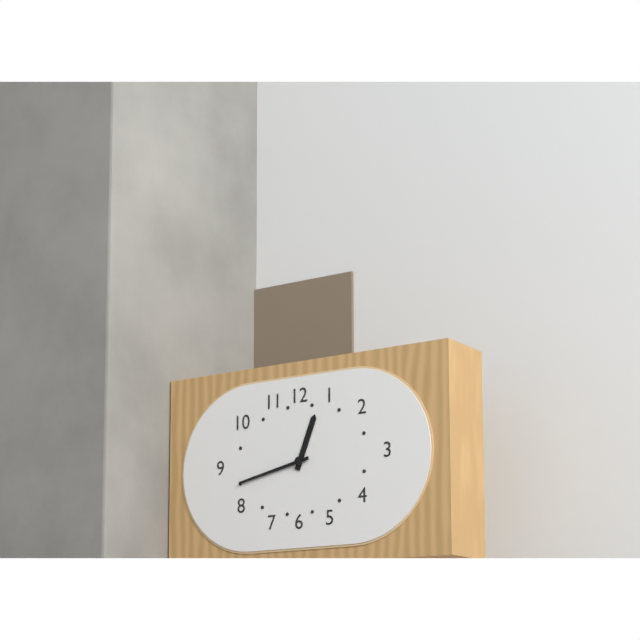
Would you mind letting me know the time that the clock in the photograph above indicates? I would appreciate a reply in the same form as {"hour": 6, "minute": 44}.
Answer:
{"hour": 12, "minute": 43}
